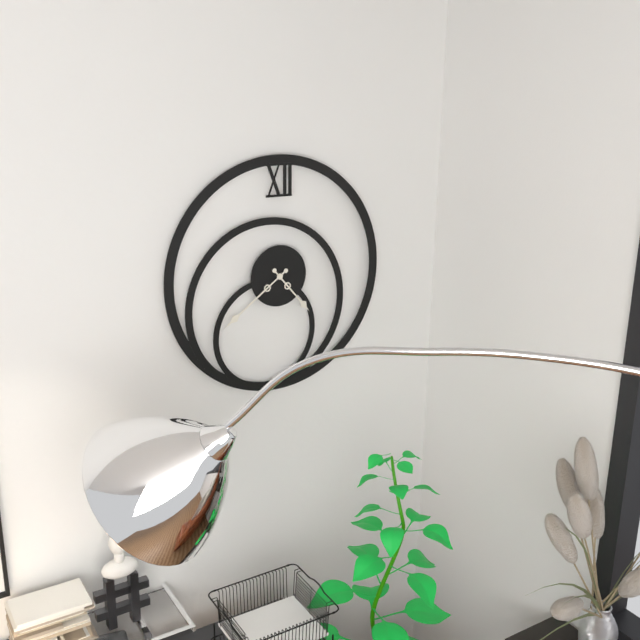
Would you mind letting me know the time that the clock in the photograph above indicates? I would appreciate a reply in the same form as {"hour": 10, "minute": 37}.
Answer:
{"hour": 4, "minute": 39}
